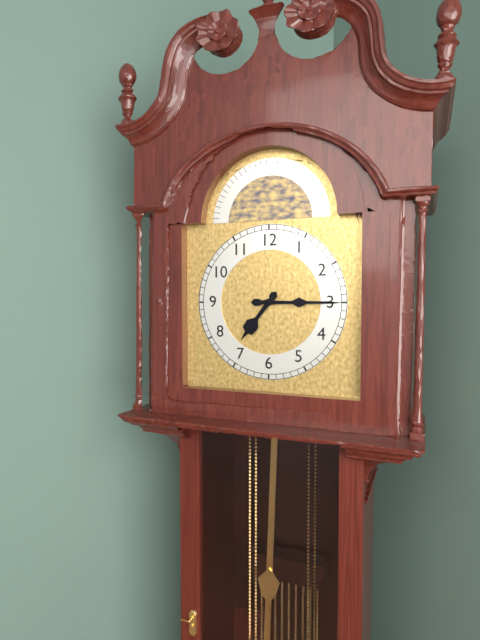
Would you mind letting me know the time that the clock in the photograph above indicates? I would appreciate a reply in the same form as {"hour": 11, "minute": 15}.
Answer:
{"hour": 7, "minute": 15}
